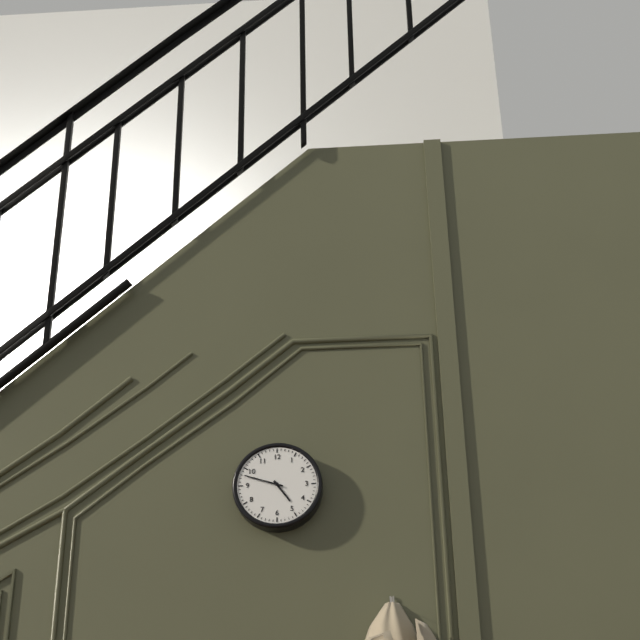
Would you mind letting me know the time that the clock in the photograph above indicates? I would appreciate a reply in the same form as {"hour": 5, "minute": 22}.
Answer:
{"hour": 4, "minute": 48}
